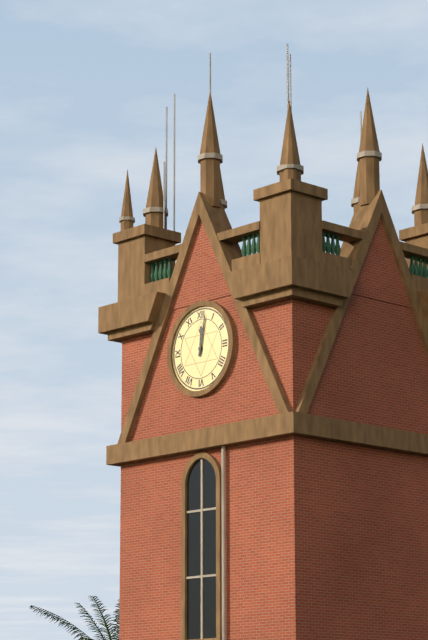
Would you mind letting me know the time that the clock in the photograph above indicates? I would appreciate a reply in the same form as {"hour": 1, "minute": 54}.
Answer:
{"hour": 12, "minute": 2}
